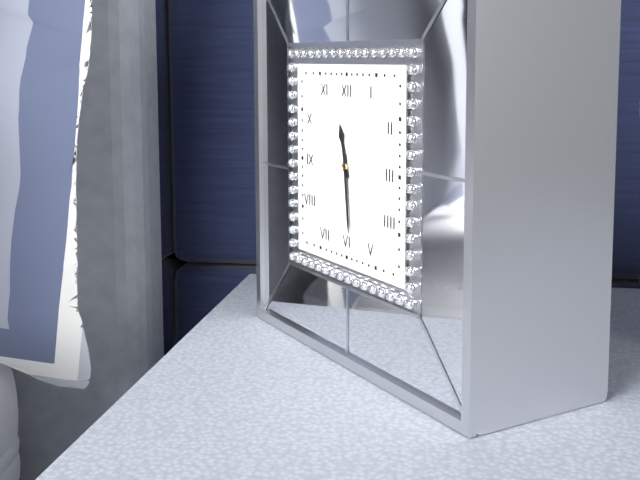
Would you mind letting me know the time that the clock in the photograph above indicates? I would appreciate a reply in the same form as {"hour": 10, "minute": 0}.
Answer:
{"hour": 11, "minute": 29}
